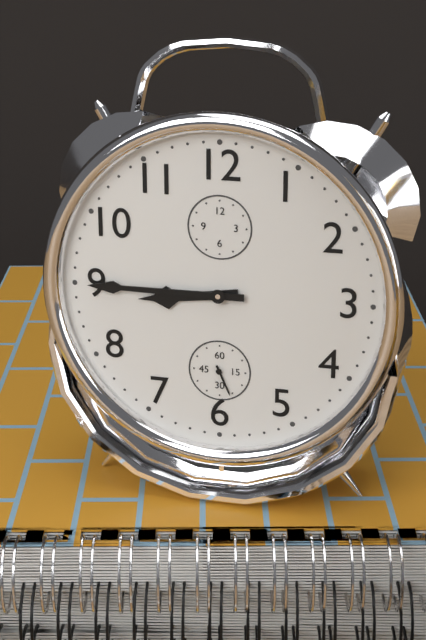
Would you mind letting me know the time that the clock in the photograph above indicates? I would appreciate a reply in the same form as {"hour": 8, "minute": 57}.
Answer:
{"hour": 8, "minute": 45}
